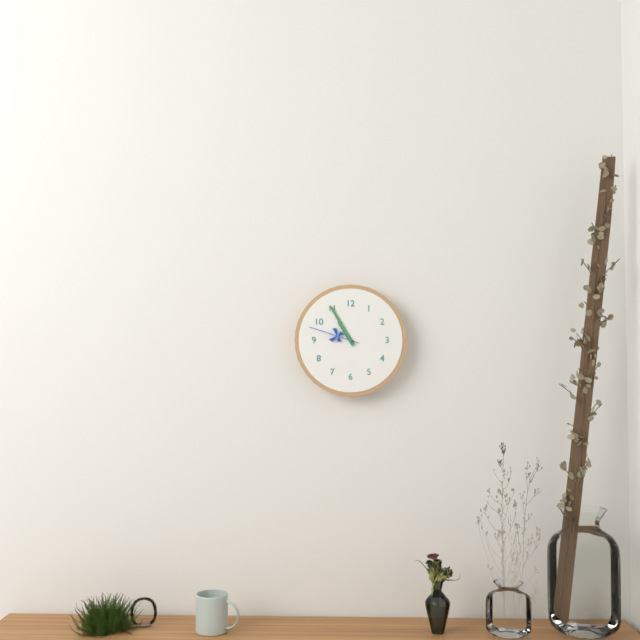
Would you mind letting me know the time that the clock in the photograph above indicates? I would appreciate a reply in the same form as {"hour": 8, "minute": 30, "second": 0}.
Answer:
{"hour": 10, "minute": 55, "second": 48}
